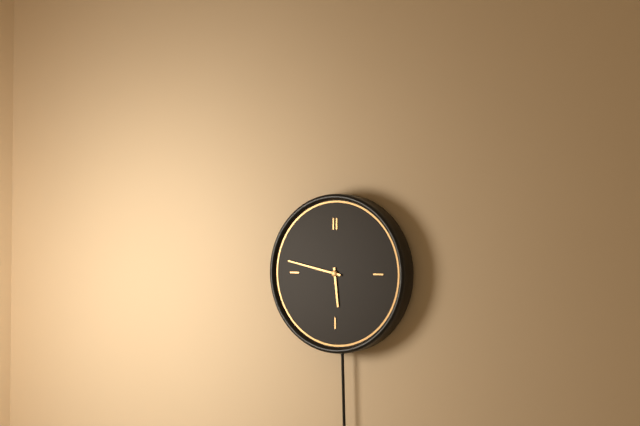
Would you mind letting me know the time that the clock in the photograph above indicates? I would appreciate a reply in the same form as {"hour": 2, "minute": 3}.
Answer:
{"hour": 5, "minute": 47}
